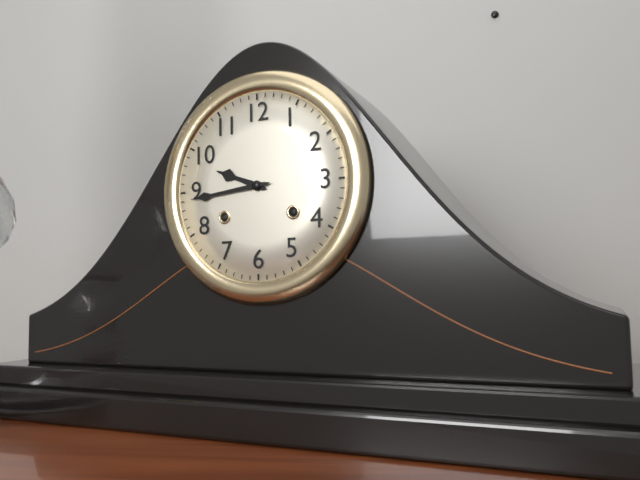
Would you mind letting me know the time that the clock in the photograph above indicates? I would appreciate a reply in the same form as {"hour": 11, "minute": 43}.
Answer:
{"hour": 9, "minute": 44}
